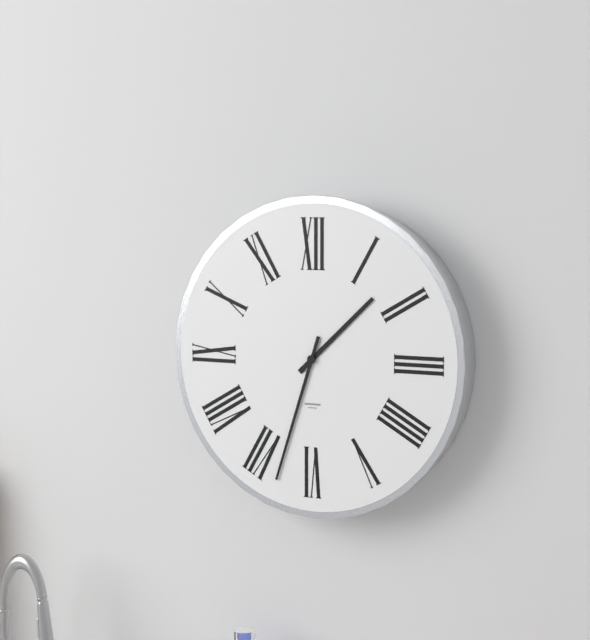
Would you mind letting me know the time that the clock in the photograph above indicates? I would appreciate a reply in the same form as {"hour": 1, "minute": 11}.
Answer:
{"hour": 1, "minute": 33}
